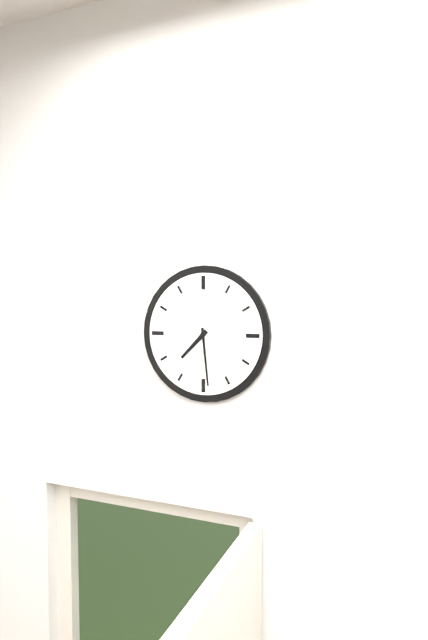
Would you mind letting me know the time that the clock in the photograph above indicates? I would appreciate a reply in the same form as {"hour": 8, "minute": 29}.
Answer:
{"hour": 7, "minute": 29}
